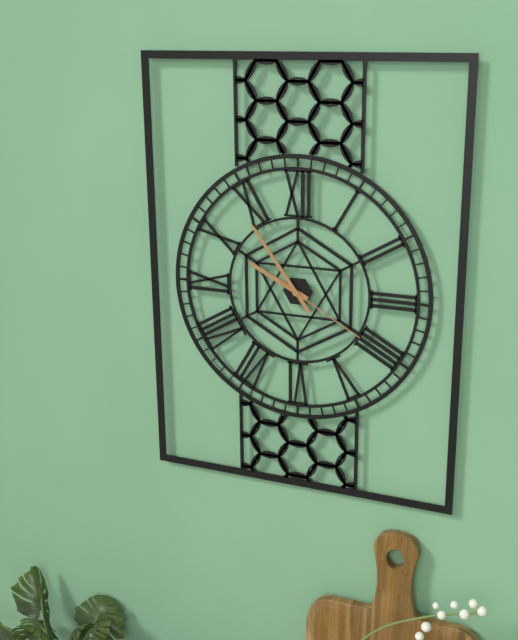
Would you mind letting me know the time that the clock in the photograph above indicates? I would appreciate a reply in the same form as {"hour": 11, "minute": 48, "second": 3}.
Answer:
{"hour": 9, "minute": 54, "second": 20}
